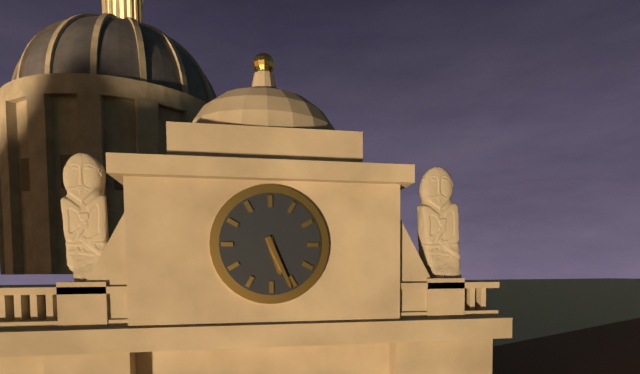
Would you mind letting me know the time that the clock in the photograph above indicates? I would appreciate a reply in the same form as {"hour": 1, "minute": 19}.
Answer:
{"hour": 5, "minute": 26}
